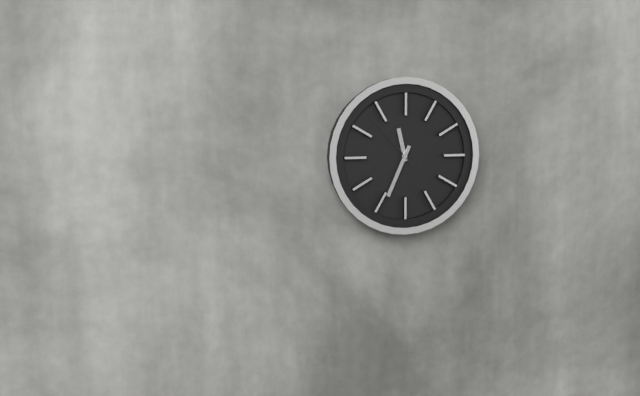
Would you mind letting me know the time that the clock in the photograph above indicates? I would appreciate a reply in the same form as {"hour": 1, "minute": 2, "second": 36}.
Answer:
{"hour": 11, "minute": 34, "second": 53}
